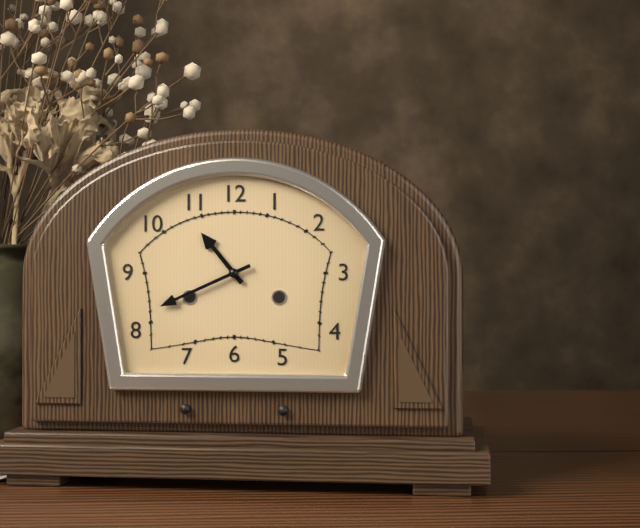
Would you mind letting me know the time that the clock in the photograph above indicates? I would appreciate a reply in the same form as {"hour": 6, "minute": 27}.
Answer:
{"hour": 10, "minute": 41}
